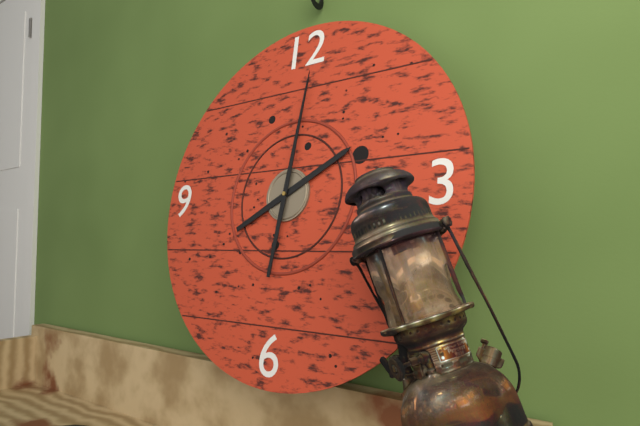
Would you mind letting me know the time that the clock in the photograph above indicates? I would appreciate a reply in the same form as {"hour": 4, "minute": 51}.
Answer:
{"hour": 2, "minute": 1}
